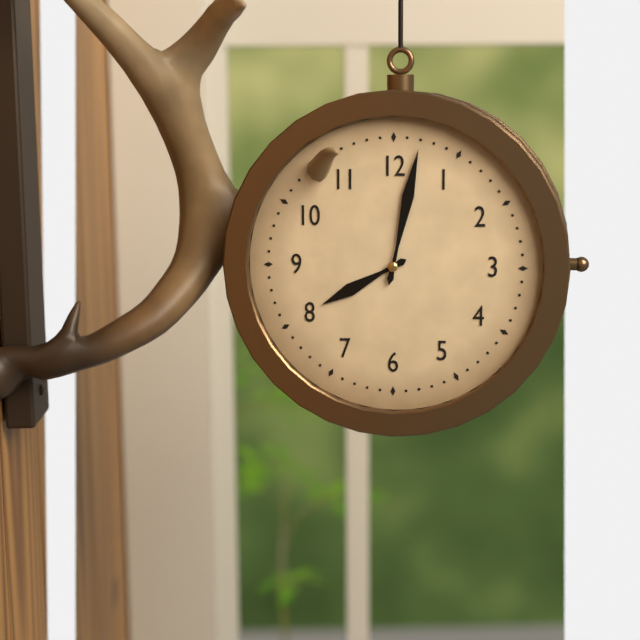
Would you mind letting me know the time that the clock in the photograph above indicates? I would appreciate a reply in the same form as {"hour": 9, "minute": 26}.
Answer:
{"hour": 8, "minute": 2}
